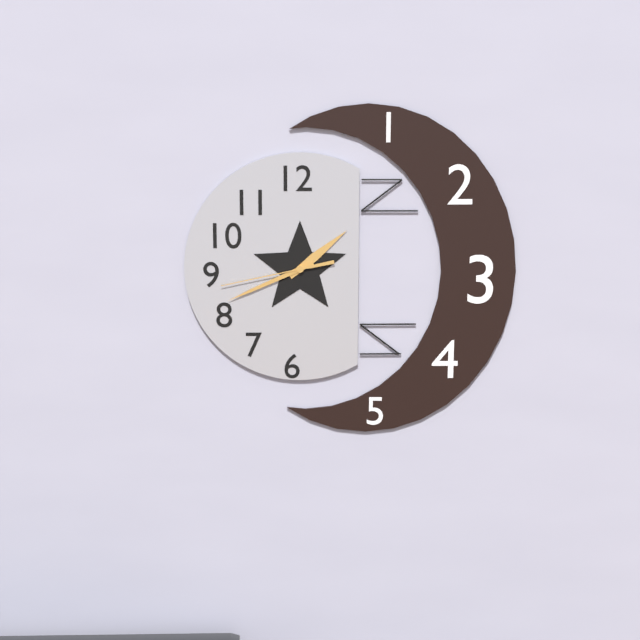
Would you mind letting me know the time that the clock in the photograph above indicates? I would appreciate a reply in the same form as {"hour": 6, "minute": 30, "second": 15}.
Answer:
{"hour": 1, "minute": 41, "second": 43}
